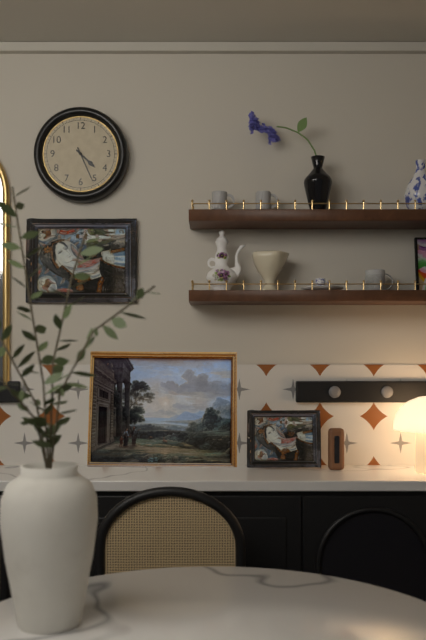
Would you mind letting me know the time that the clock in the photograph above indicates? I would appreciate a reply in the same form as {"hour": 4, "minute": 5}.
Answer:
{"hour": 4, "minute": 26}
